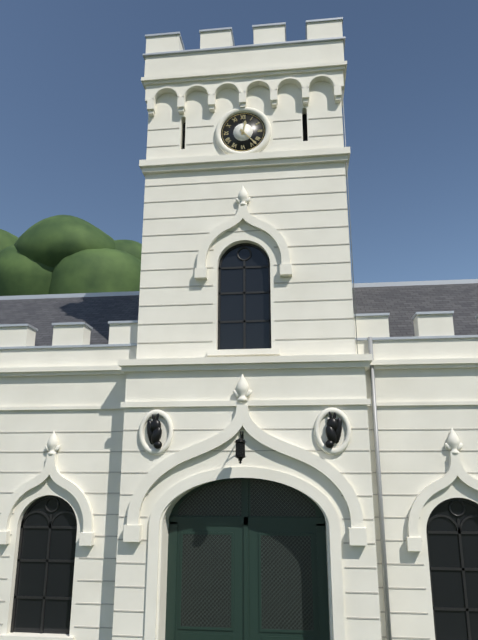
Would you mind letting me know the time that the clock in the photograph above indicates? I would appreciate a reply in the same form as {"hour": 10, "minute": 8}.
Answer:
{"hour": 12, "minute": 23}
